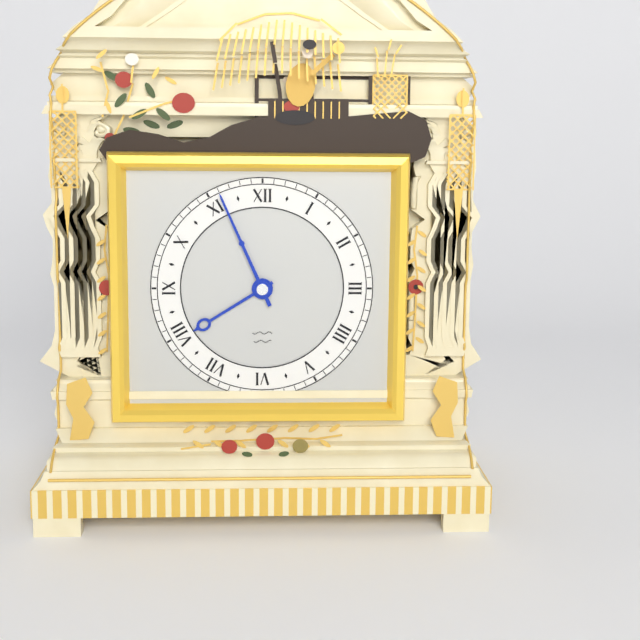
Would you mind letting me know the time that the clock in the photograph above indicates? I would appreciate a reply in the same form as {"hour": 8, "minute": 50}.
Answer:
{"hour": 7, "minute": 56}
